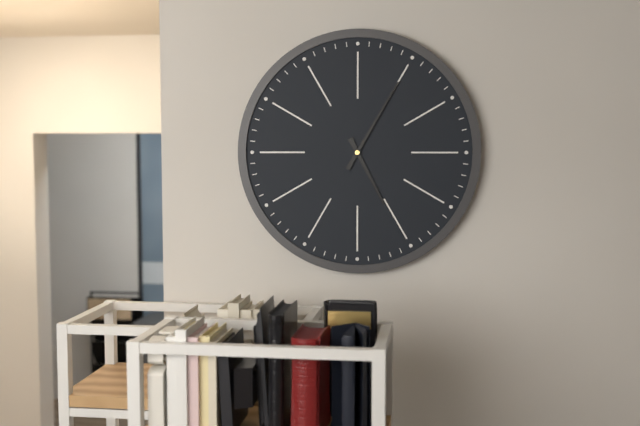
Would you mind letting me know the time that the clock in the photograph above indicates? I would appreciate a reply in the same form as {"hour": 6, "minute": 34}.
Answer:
{"hour": 5, "minute": 5}
